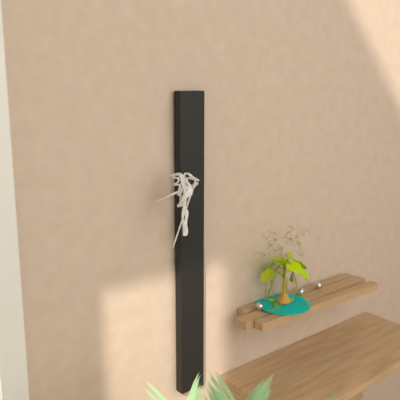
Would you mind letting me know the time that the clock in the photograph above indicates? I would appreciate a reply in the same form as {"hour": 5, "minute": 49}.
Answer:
{"hour": 8, "minute": 34}
